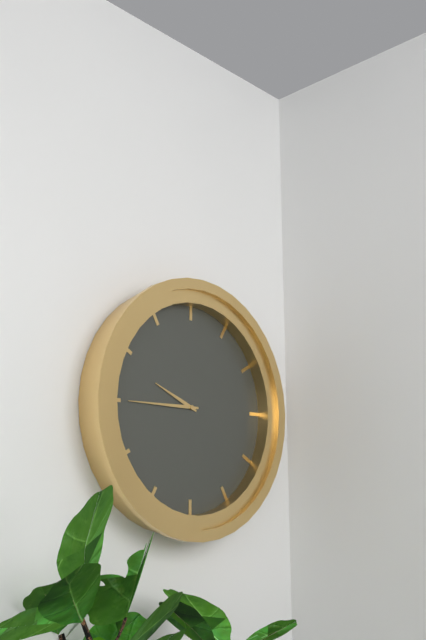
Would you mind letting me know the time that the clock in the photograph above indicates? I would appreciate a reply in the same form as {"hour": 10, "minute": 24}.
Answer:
{"hour": 9, "minute": 45}
